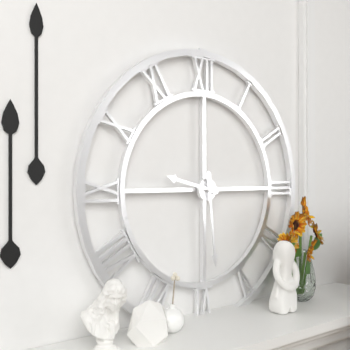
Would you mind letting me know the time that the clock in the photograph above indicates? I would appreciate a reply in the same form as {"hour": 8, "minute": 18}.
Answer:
{"hour": 9, "minute": 29}
